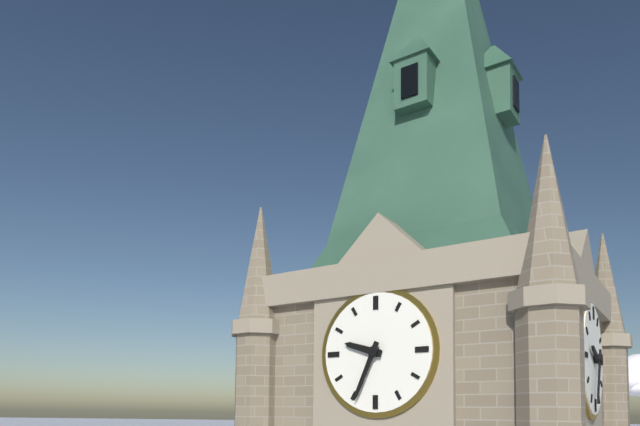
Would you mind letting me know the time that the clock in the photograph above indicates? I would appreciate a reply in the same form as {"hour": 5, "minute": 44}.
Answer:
{"hour": 9, "minute": 34}
